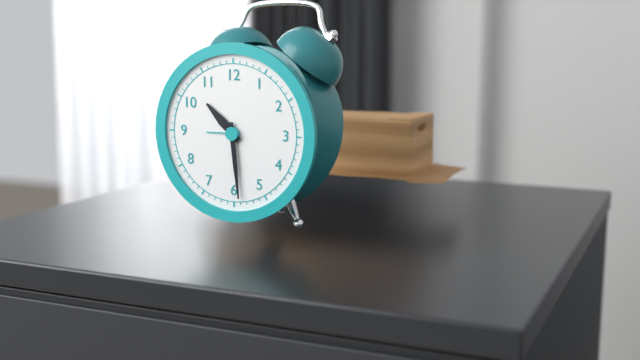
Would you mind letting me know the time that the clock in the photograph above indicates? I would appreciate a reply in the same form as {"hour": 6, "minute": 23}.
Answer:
{"hour": 10, "minute": 29}
